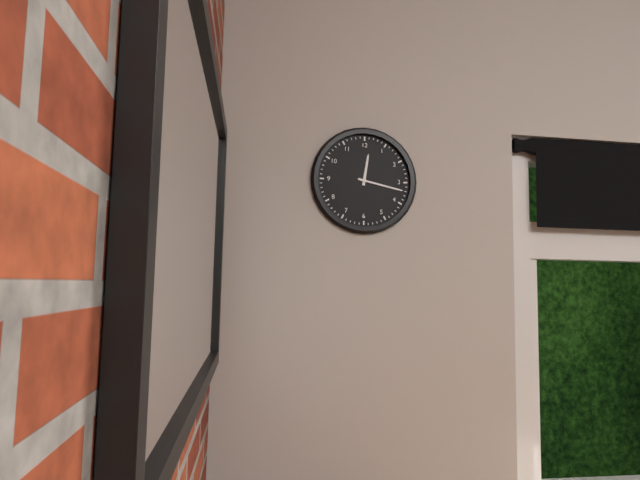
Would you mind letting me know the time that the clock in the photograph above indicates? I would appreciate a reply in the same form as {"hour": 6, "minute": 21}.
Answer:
{"hour": 12, "minute": 17}
